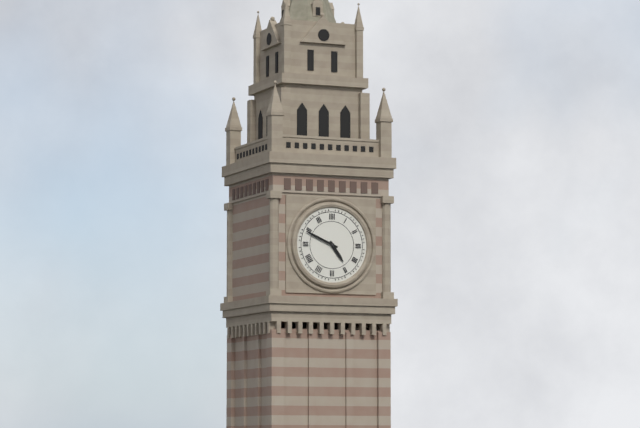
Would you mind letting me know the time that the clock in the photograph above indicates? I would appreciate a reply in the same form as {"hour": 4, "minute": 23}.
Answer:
{"hour": 4, "minute": 49}
